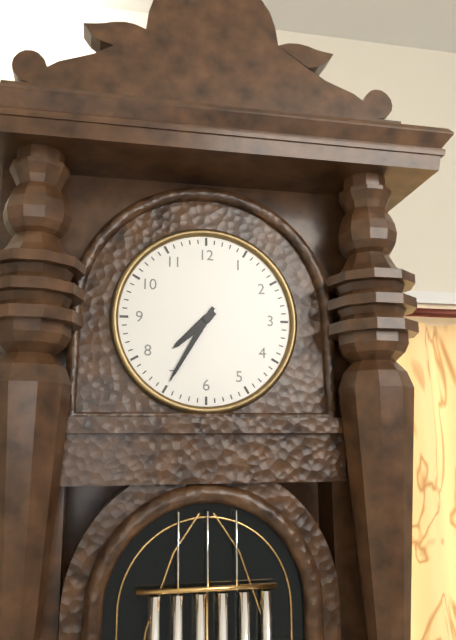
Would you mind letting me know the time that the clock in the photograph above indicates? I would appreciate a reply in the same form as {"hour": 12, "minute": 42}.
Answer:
{"hour": 7, "minute": 35}
